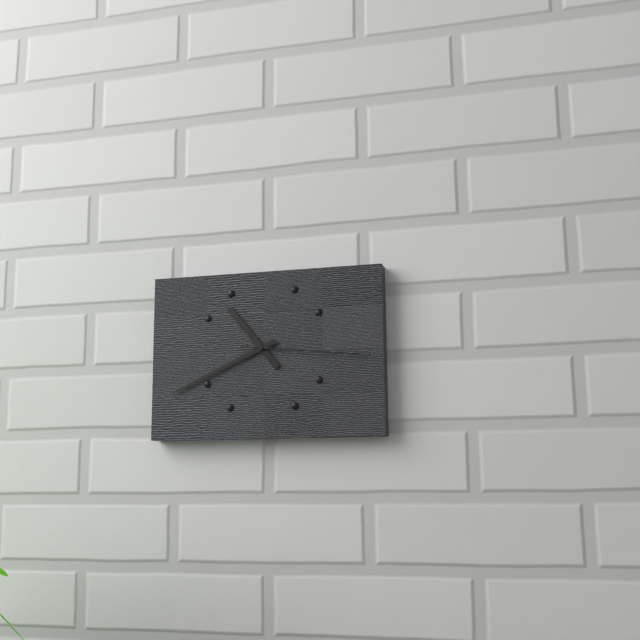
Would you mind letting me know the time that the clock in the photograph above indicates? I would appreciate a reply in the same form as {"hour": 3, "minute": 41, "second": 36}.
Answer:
{"hour": 10, "minute": 41, "second": 16}
